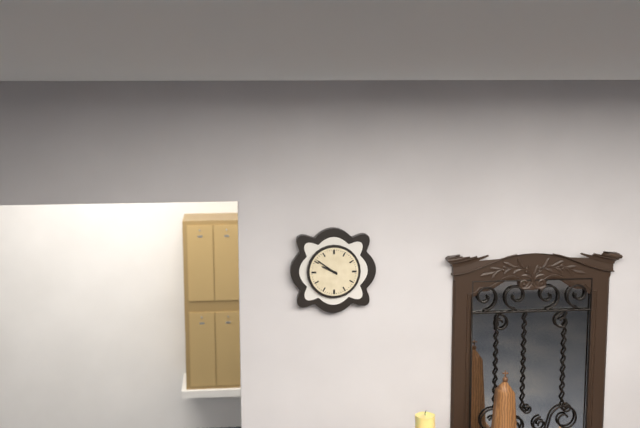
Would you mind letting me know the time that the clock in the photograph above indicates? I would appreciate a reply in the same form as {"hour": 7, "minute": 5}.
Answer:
{"hour": 9, "minute": 51}
